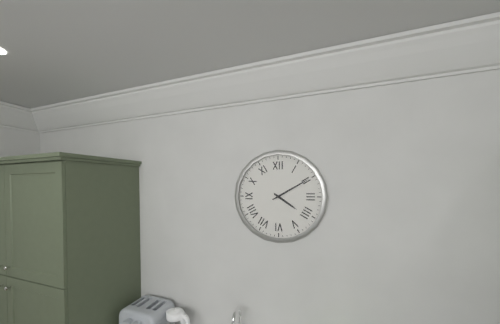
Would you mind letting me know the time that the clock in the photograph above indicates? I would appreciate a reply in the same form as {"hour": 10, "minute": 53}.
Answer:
{"hour": 4, "minute": 10}
